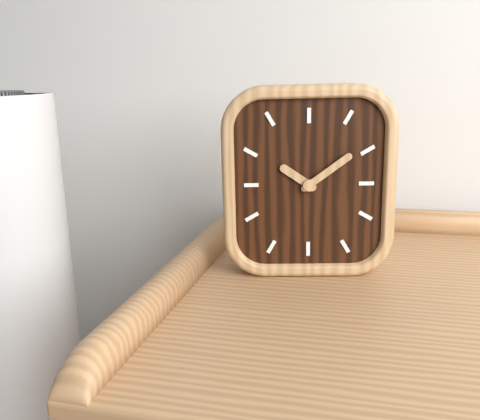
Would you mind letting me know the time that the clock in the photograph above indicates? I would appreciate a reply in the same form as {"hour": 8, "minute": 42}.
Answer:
{"hour": 10, "minute": 9}
